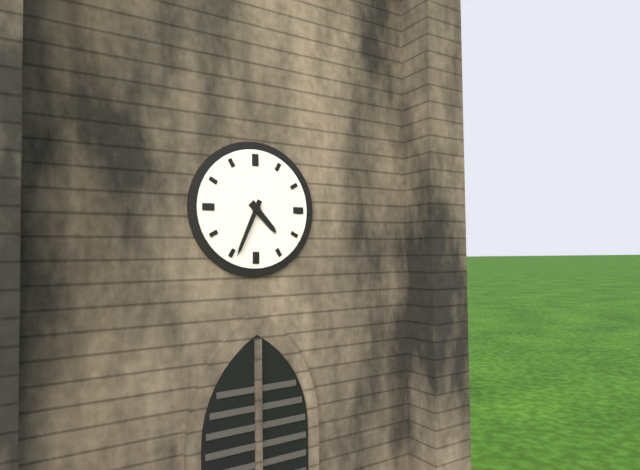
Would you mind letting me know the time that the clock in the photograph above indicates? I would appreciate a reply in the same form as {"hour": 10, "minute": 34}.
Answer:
{"hour": 4, "minute": 34}
